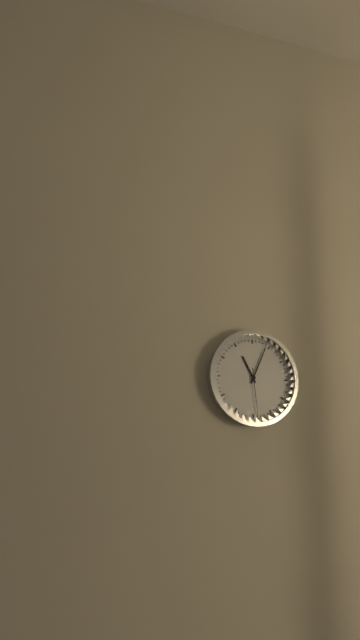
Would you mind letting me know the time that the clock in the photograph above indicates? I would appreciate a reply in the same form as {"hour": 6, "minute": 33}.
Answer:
{"hour": 11, "minute": 4}
